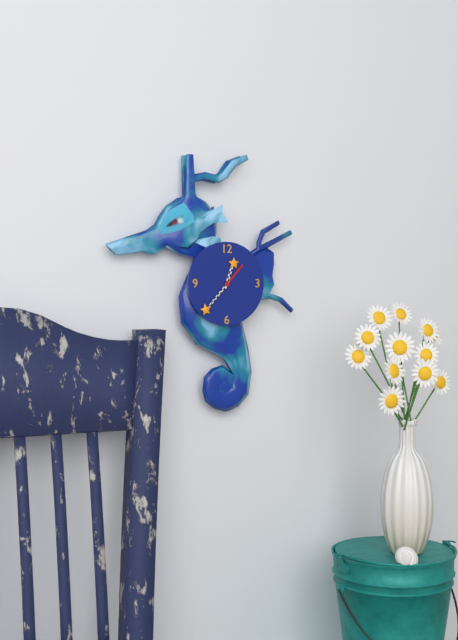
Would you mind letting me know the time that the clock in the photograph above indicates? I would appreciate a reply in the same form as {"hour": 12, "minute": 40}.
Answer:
{"hour": 12, "minute": 37}
